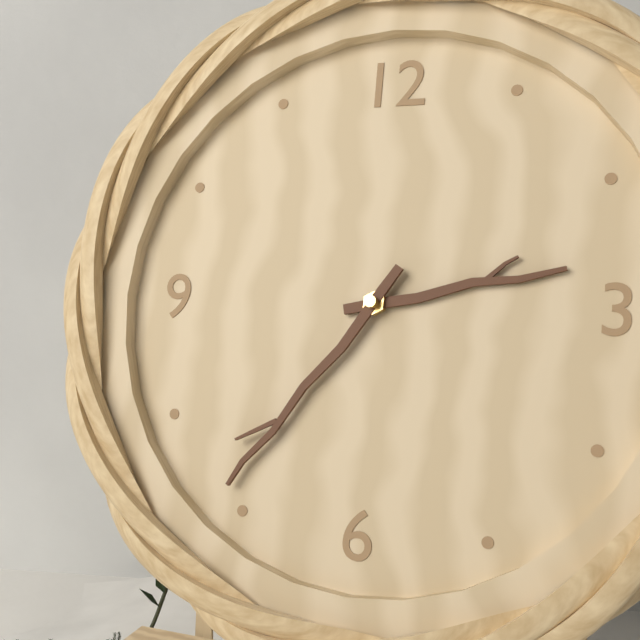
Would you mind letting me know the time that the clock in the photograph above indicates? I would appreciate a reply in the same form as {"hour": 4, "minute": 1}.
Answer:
{"hour": 2, "minute": 36}
